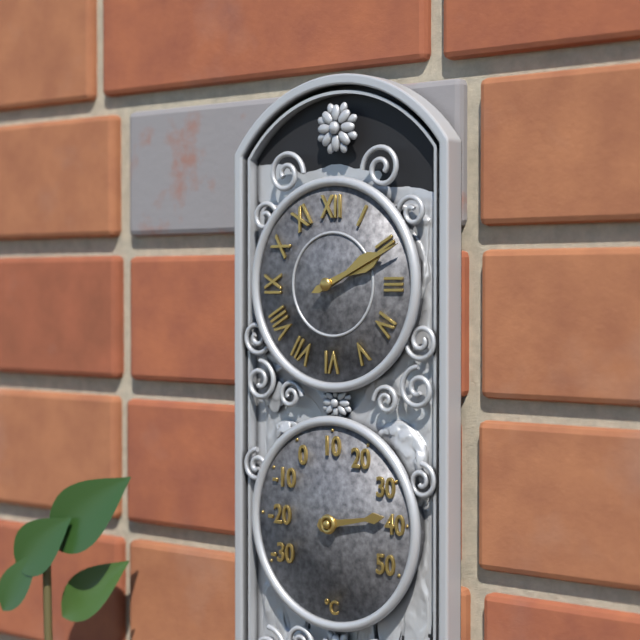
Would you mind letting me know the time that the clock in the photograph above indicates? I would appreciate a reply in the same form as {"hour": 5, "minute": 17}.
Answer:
{"hour": 2, "minute": 11}
